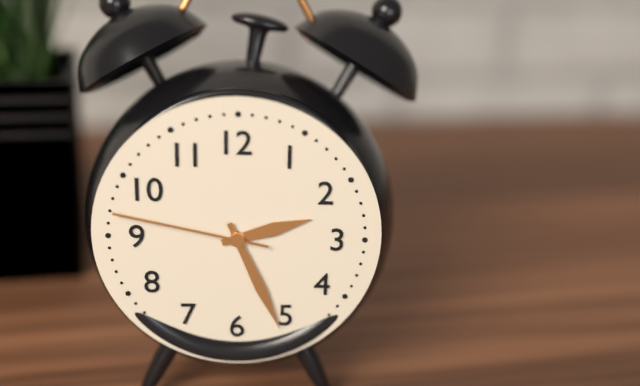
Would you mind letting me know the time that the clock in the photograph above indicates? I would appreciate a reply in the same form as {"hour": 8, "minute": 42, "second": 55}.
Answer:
{"hour": 2, "minute": 26, "second": 47}
